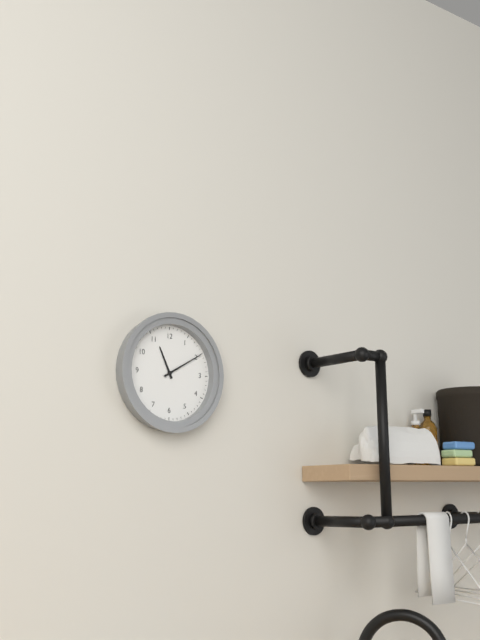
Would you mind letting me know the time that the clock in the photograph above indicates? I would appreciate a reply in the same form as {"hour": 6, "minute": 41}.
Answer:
{"hour": 11, "minute": 10}
